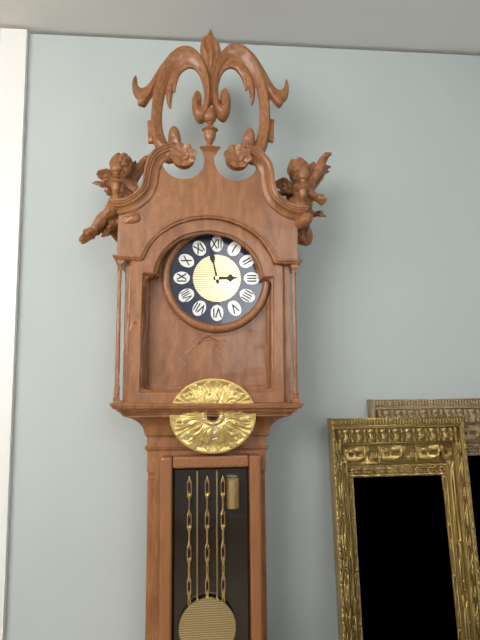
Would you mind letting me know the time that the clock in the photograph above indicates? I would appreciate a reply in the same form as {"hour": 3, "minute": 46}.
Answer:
{"hour": 2, "minute": 58}
